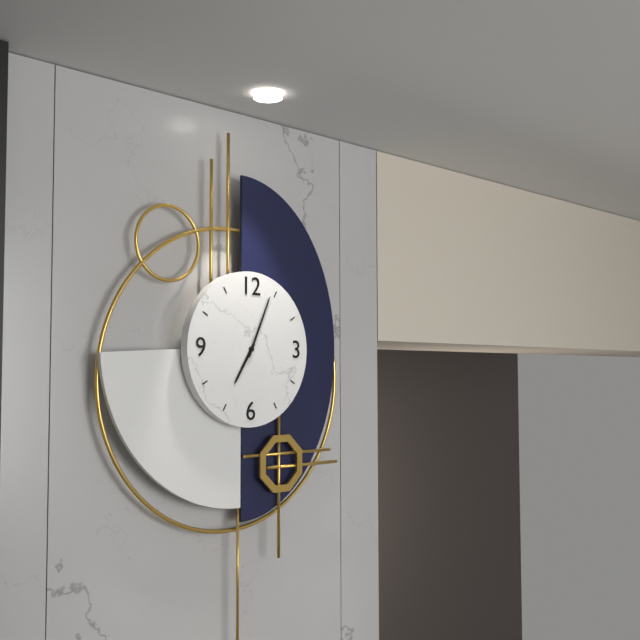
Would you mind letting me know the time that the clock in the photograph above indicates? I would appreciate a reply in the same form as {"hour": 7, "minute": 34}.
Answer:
{"hour": 7, "minute": 4}
